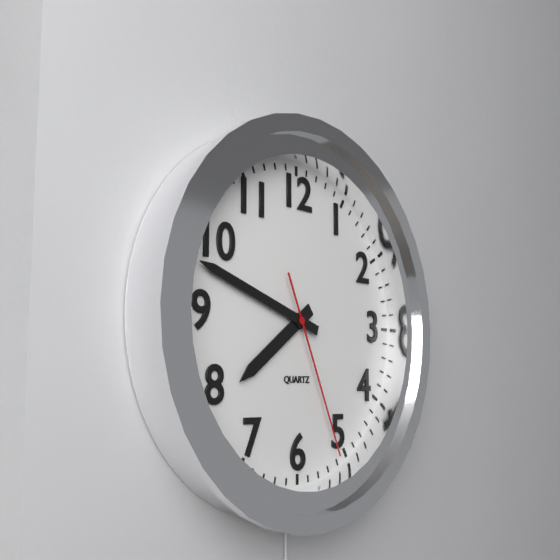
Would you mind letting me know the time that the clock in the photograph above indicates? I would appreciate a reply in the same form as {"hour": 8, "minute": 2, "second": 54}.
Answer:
{"hour": 7, "minute": 48, "second": 26}
